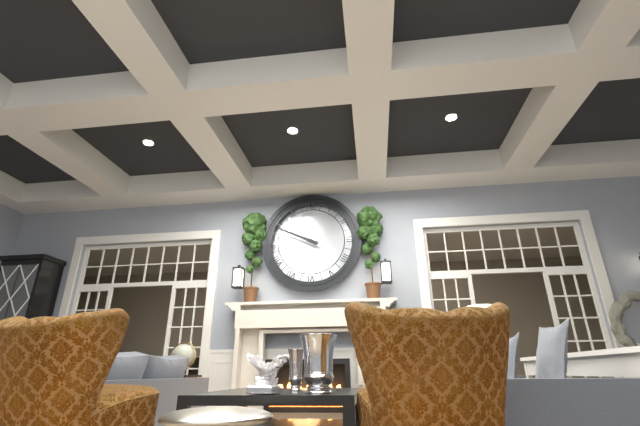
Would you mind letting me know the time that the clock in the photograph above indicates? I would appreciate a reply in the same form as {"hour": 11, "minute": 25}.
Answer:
{"hour": 9, "minute": 49}
